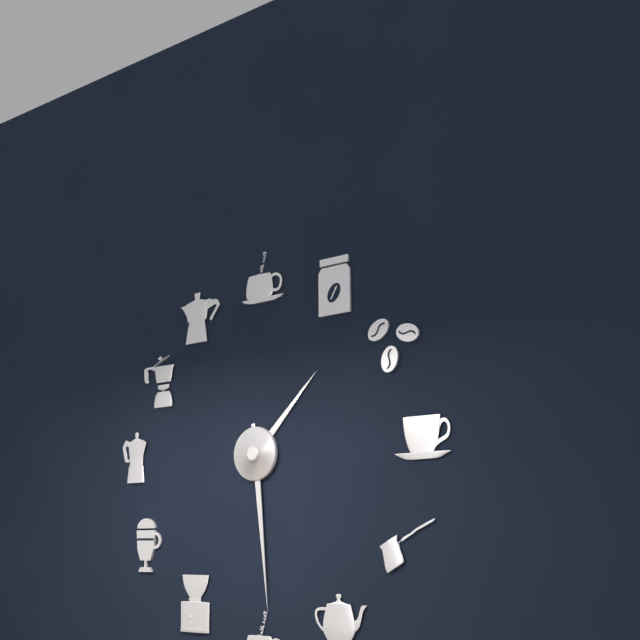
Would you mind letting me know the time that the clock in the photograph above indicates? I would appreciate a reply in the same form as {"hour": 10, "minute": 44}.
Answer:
{"hour": 1, "minute": 29}
